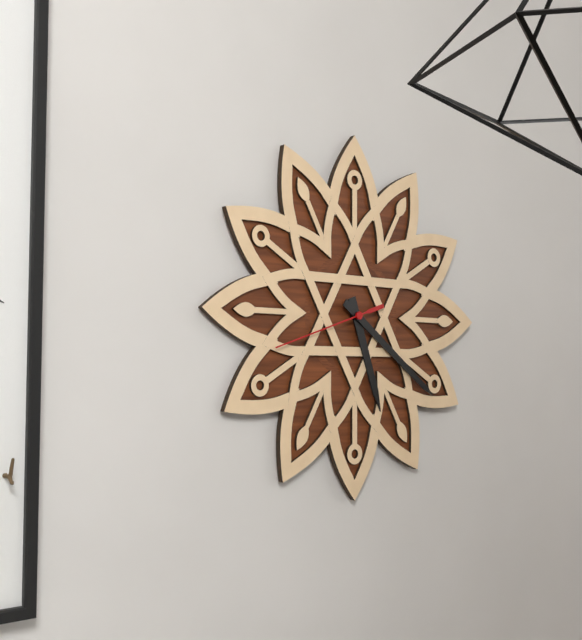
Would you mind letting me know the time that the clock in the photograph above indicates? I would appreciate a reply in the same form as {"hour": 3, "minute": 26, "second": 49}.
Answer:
{"hour": 5, "minute": 21, "second": 42}
